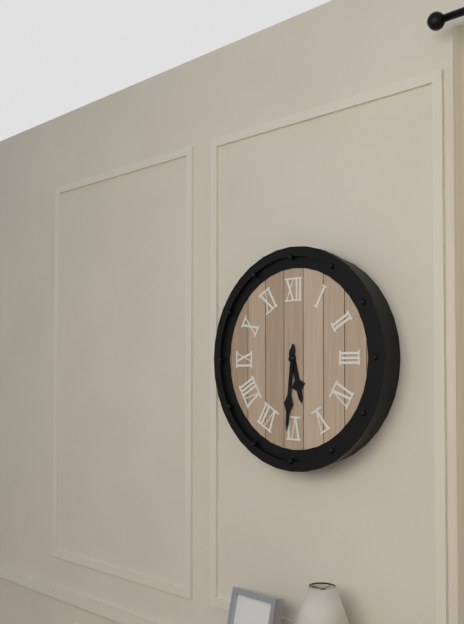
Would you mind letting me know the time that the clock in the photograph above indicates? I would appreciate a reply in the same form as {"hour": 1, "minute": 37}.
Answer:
{"hour": 5, "minute": 31}
